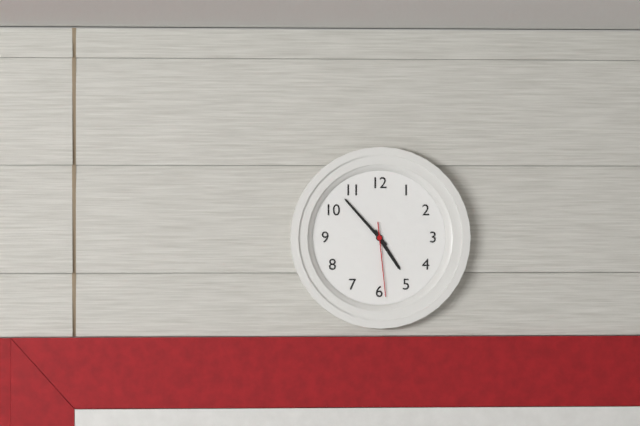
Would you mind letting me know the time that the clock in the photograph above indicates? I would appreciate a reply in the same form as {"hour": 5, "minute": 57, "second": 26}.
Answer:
{"hour": 4, "minute": 53, "second": 29}
